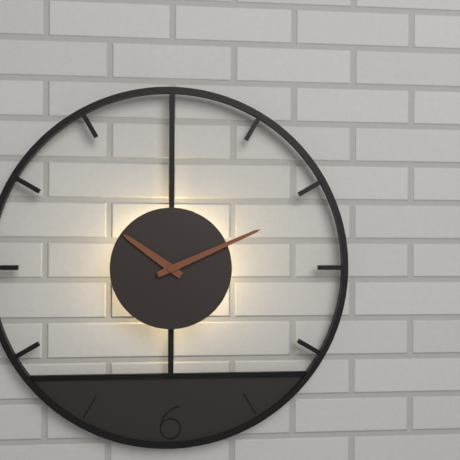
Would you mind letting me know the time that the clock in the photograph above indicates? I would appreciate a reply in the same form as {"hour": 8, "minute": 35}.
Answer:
{"hour": 10, "minute": 11}
